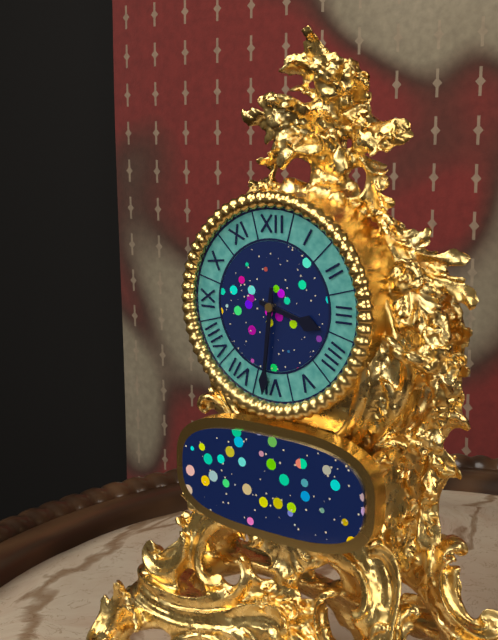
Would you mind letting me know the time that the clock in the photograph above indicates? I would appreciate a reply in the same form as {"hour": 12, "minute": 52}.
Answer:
{"hour": 3, "minute": 31}
